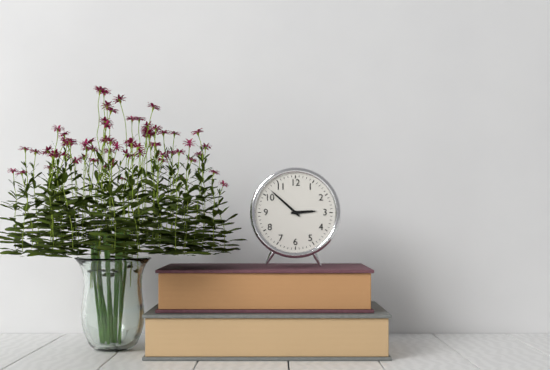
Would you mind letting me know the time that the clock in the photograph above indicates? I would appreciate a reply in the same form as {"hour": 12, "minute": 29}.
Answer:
{"hour": 2, "minute": 52}
